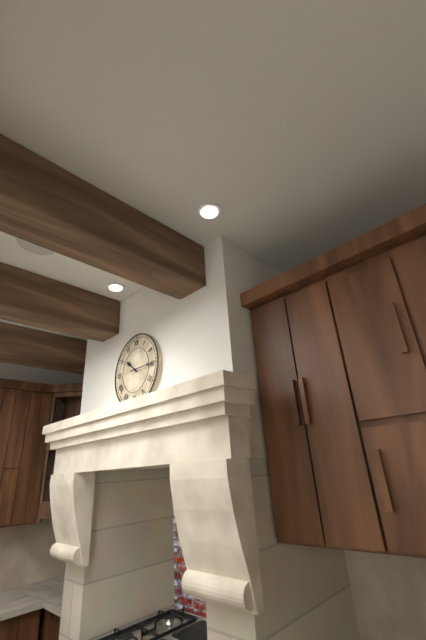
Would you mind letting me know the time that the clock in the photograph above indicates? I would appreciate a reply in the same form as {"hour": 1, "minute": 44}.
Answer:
{"hour": 10, "minute": 15}
